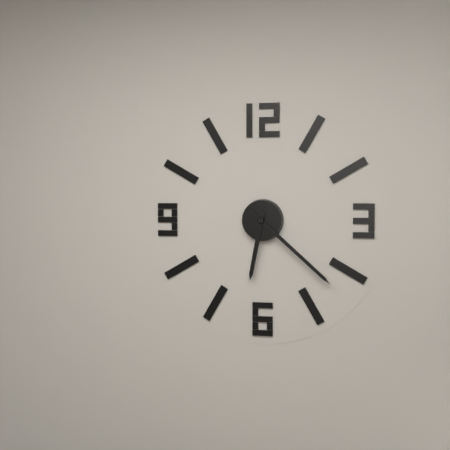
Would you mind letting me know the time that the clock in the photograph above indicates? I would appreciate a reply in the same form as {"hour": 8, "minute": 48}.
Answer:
{"hour": 6, "minute": 22}
